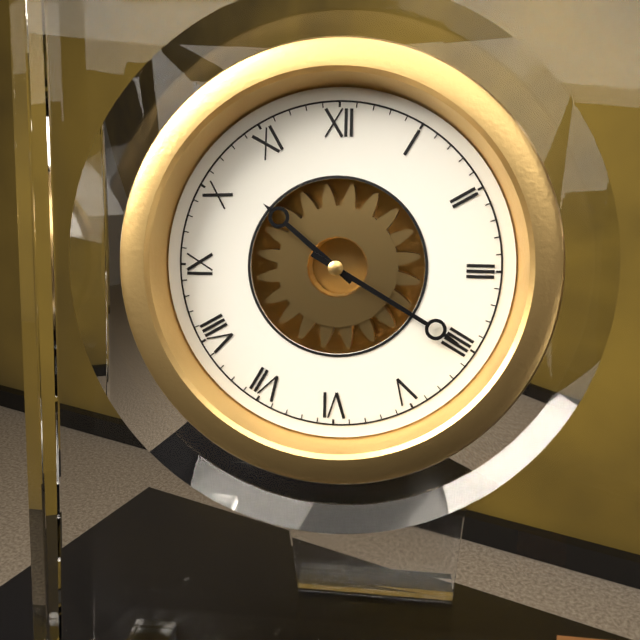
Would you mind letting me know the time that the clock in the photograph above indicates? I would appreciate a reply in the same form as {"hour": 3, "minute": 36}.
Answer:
{"hour": 10, "minute": 20}
